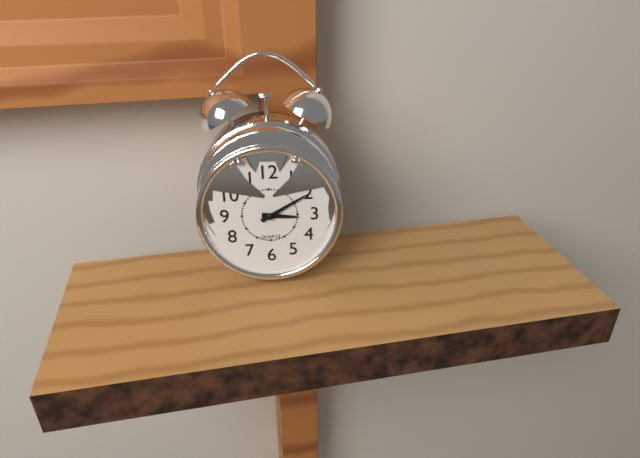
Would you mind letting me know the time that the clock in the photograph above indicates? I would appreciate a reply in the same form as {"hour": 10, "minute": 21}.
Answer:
{"hour": 3, "minute": 10}
